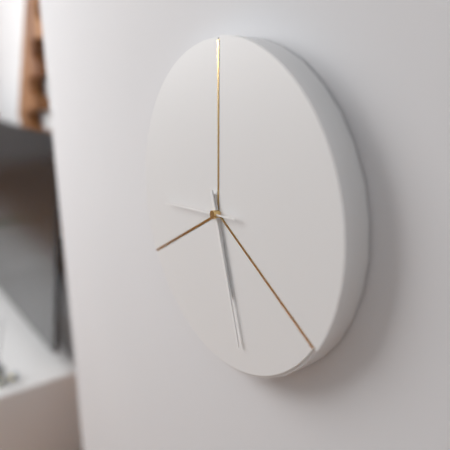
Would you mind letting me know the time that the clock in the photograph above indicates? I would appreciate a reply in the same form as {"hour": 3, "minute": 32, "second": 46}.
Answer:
{"hour": 5, "minute": 27, "second": 44}
